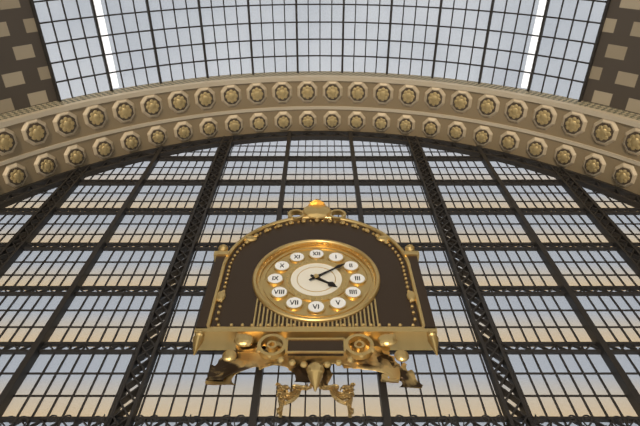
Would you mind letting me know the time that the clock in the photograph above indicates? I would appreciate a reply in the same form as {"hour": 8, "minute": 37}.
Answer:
{"hour": 4, "minute": 9}
